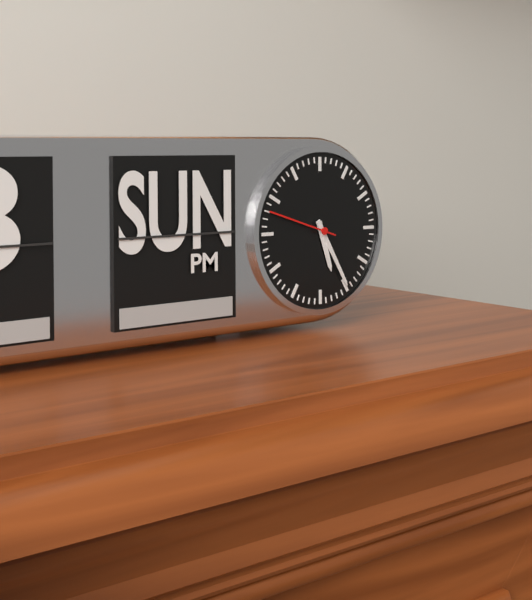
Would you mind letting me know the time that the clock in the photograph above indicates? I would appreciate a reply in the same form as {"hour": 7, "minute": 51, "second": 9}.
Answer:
{"hour": 5, "minute": 25, "second": 48}
